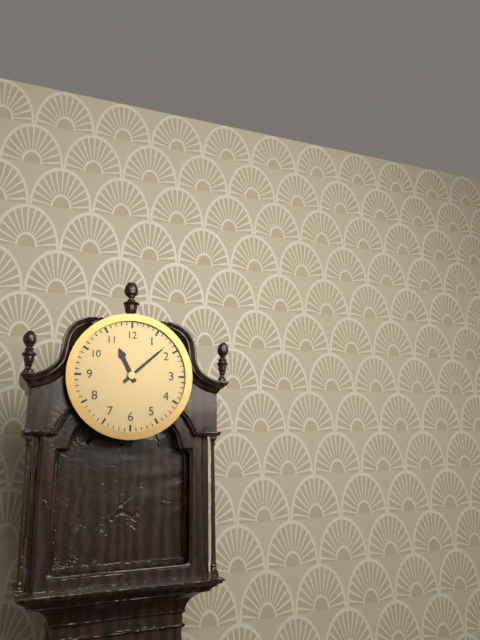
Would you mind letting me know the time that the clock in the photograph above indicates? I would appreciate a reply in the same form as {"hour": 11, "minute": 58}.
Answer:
{"hour": 11, "minute": 8}
